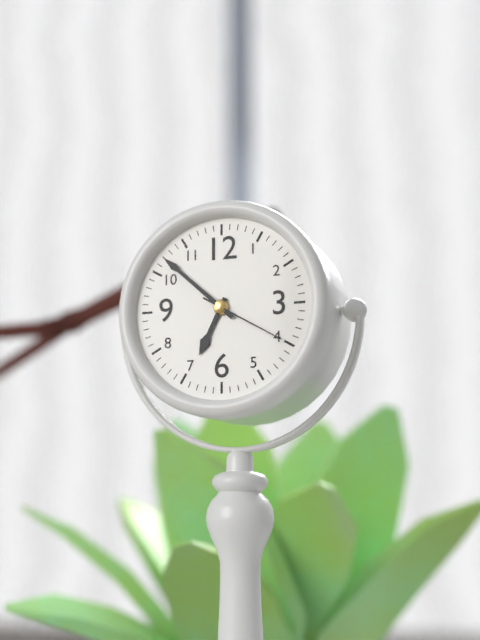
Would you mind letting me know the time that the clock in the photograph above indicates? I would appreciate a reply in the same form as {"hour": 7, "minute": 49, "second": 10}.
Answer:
{"hour": 6, "minute": 52, "second": 20}
